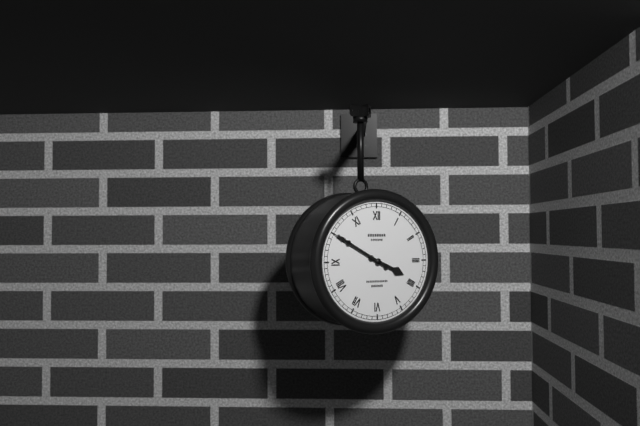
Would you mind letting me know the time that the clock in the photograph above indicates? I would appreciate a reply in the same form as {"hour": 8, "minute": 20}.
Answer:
{"hour": 3, "minute": 50}
